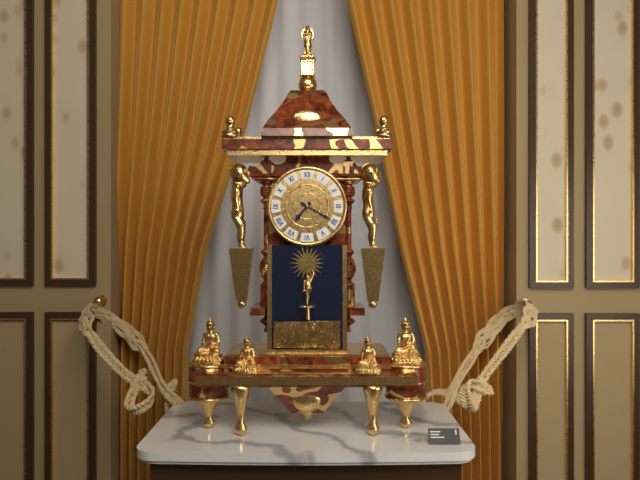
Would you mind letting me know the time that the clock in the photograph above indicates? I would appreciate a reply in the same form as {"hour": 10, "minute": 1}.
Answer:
{"hour": 7, "minute": 20}
